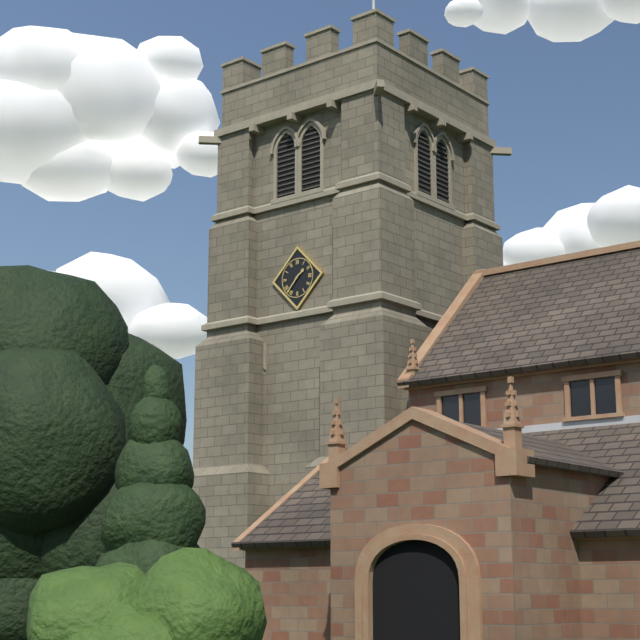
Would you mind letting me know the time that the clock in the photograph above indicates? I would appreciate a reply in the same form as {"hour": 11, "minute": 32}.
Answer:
{"hour": 1, "minute": 37}
